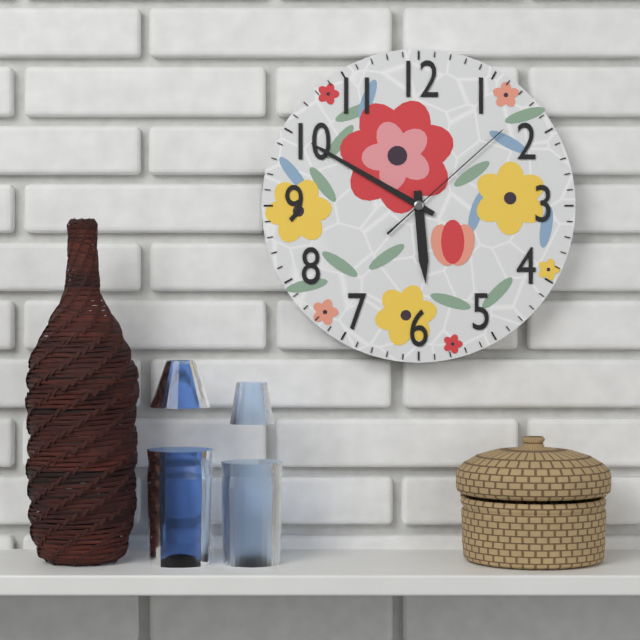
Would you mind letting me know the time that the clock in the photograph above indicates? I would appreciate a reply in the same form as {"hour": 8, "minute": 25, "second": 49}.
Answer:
{"hour": 5, "minute": 50, "second": 8}
